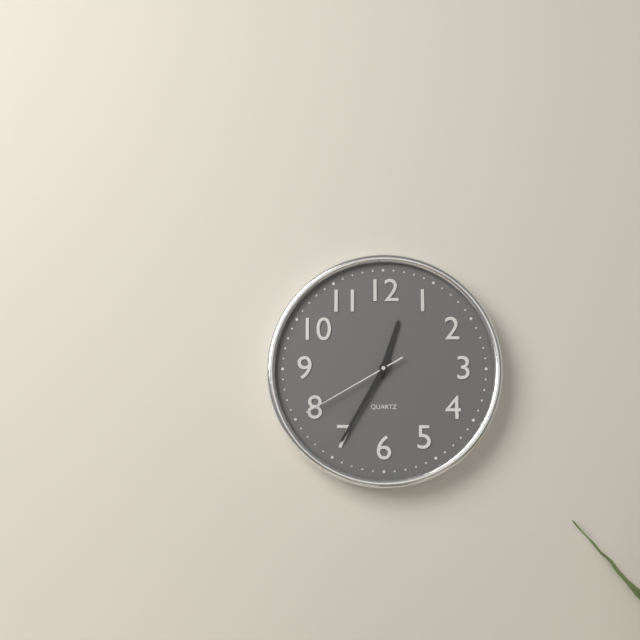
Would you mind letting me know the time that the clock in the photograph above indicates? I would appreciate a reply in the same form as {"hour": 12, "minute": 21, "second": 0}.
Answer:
{"hour": 12, "minute": 35, "second": 40}
